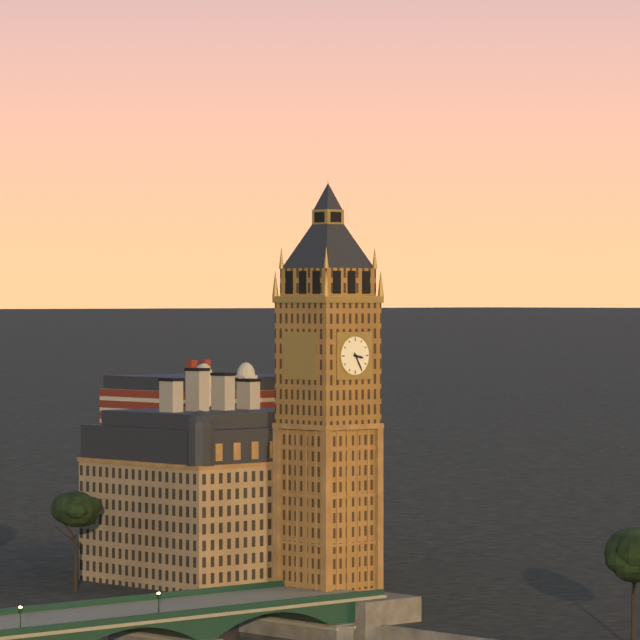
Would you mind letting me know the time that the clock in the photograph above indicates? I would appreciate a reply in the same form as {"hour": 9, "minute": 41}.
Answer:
{"hour": 3, "minute": 25}
